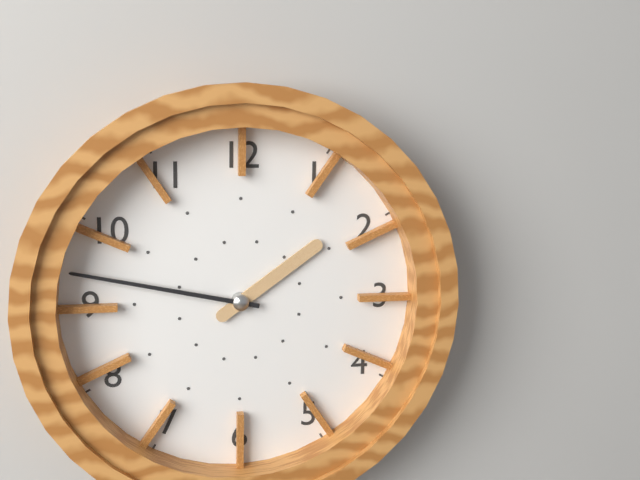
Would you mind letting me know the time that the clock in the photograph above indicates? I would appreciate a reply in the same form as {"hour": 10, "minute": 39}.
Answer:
{"hour": 1, "minute": 47}
